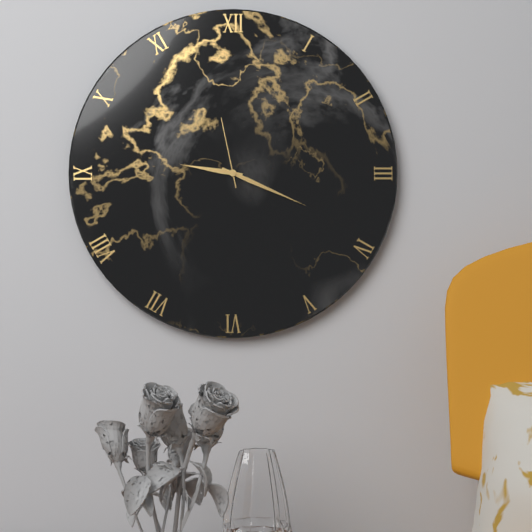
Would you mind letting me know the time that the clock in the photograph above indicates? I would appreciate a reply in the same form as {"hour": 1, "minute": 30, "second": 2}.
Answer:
{"hour": 9, "minute": 19, "second": 58}
